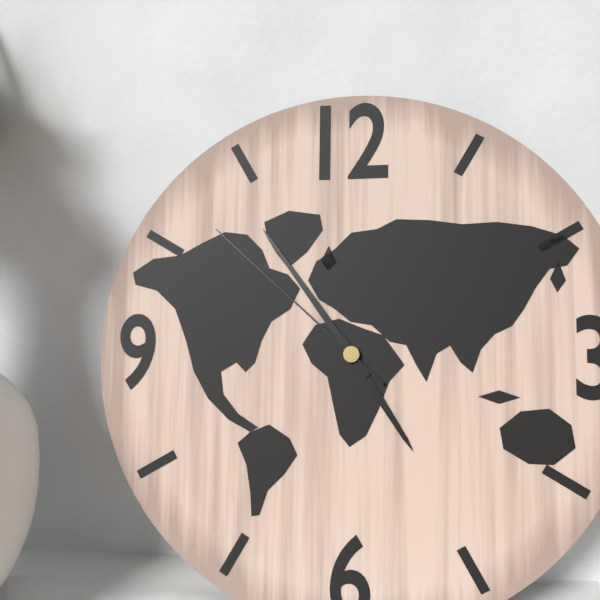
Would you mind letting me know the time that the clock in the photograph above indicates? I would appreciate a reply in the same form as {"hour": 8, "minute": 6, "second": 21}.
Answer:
{"hour": 4, "minute": 54, "second": 52}
